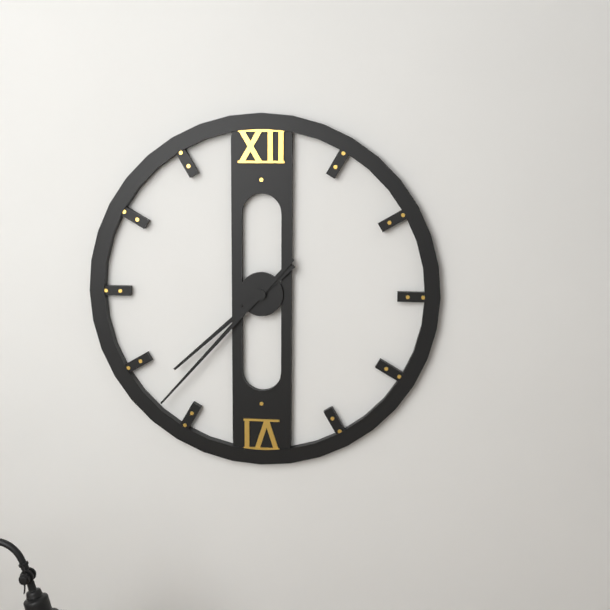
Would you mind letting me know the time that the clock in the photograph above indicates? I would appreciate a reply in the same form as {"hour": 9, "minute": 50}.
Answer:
{"hour": 7, "minute": 37}
